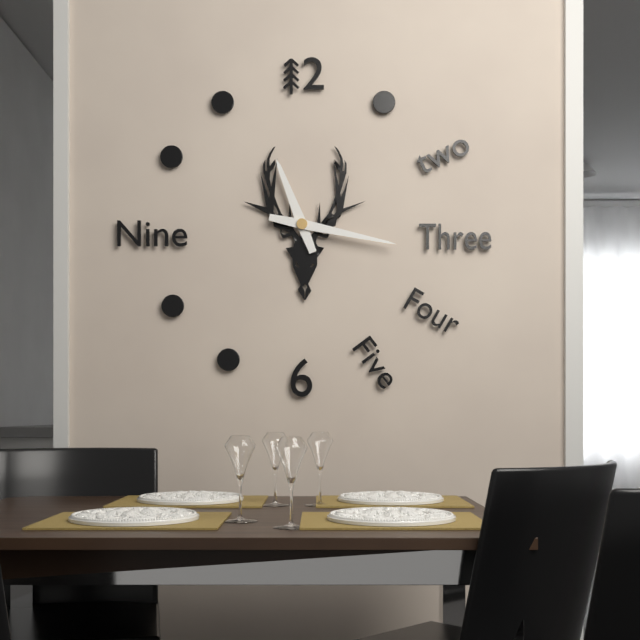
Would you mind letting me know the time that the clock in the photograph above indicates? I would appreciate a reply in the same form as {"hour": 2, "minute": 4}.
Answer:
{"hour": 11, "minute": 17}
